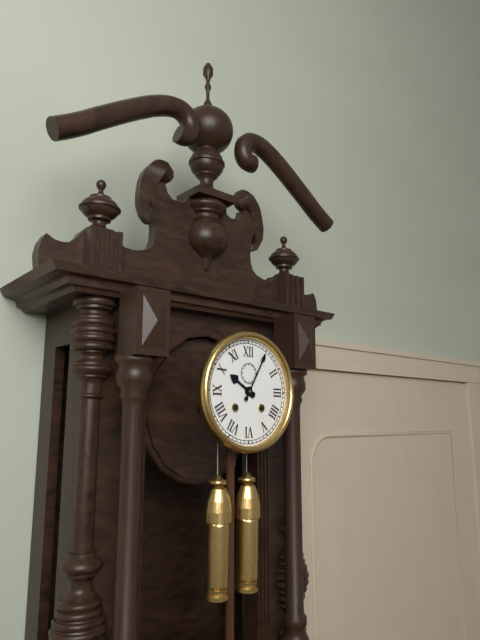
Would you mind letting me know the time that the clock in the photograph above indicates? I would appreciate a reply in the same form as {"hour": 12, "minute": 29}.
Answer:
{"hour": 10, "minute": 5}
